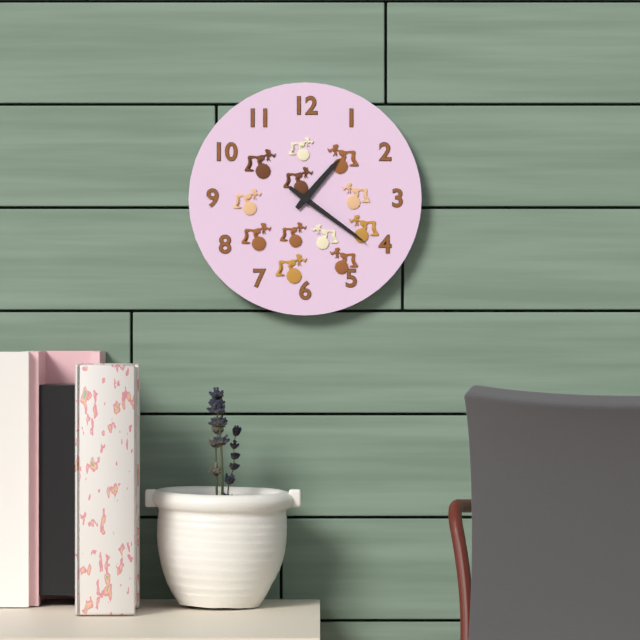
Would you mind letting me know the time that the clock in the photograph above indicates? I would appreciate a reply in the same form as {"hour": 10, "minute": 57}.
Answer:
{"hour": 1, "minute": 21}
